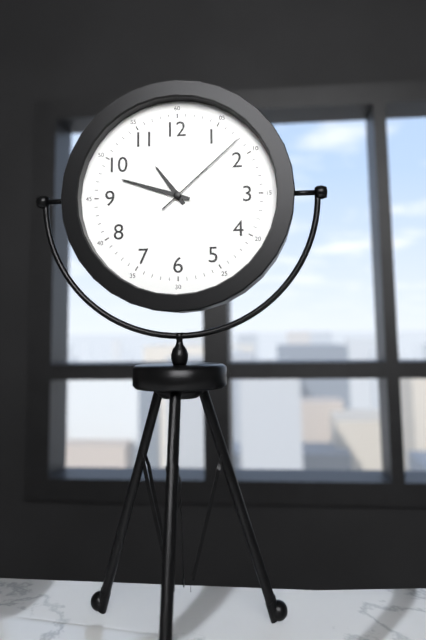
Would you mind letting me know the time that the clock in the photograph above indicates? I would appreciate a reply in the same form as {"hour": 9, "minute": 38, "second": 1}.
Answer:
{"hour": 10, "minute": 48, "second": 8}
